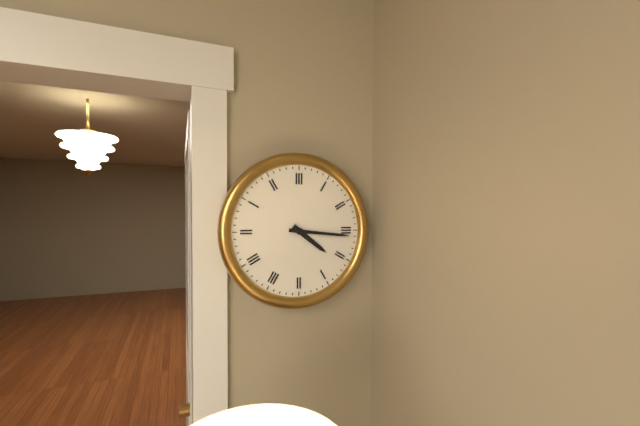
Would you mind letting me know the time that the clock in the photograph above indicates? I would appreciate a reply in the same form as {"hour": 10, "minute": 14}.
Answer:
{"hour": 4, "minute": 16}
